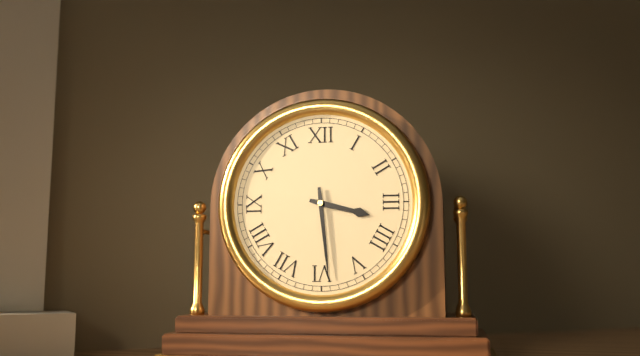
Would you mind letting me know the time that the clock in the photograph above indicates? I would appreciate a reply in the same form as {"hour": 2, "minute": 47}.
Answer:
{"hour": 3, "minute": 29}
